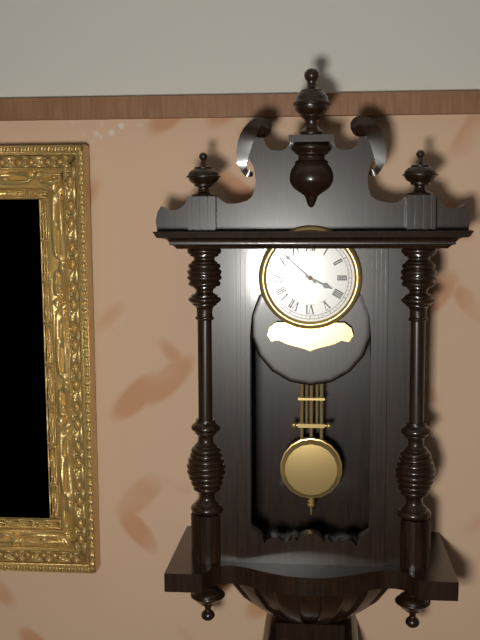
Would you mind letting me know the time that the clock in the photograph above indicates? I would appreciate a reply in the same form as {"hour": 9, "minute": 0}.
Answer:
{"hour": 3, "minute": 52}
